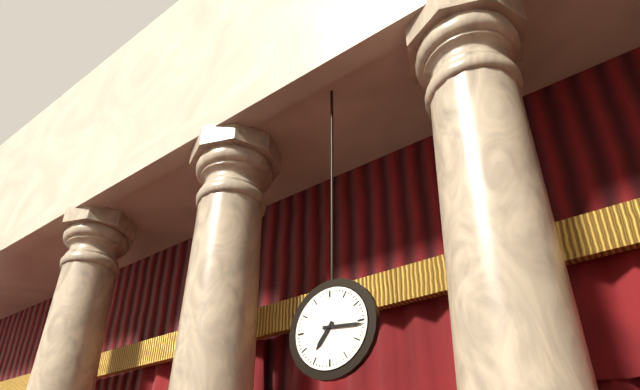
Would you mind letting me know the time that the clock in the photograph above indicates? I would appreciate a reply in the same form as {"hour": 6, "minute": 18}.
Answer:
{"hour": 7, "minute": 16}
